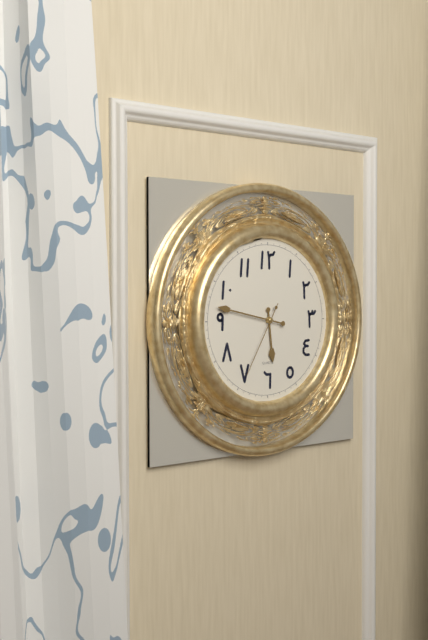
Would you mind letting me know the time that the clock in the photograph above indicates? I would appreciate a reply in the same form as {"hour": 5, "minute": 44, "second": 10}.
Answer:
{"hour": 5, "minute": 47, "second": 35}
